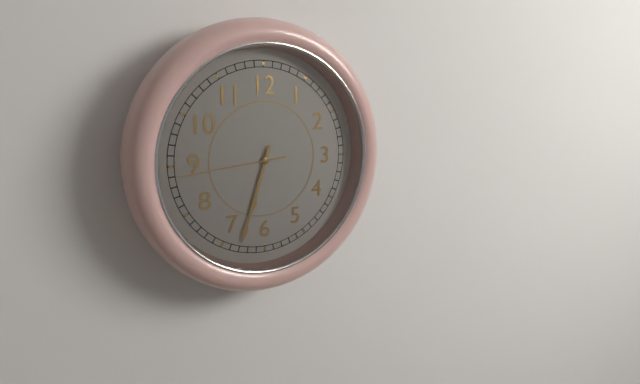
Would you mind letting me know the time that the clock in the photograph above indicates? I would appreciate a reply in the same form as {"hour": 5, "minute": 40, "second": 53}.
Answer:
{"hour": 6, "minute": 33, "second": 44}
